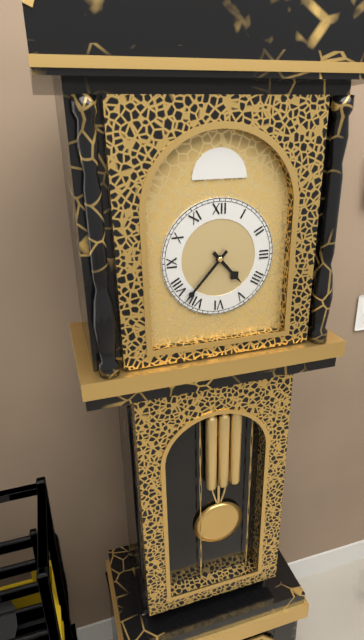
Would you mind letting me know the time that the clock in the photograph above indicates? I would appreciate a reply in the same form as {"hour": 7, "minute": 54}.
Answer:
{"hour": 4, "minute": 37}
